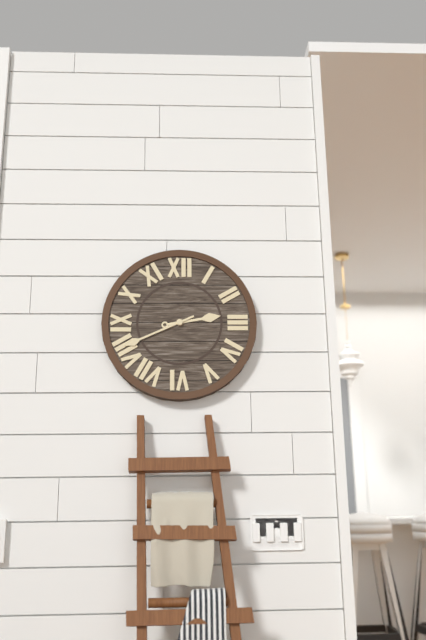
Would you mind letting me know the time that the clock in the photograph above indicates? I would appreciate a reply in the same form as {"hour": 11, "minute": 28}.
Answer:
{"hour": 2, "minute": 41}
